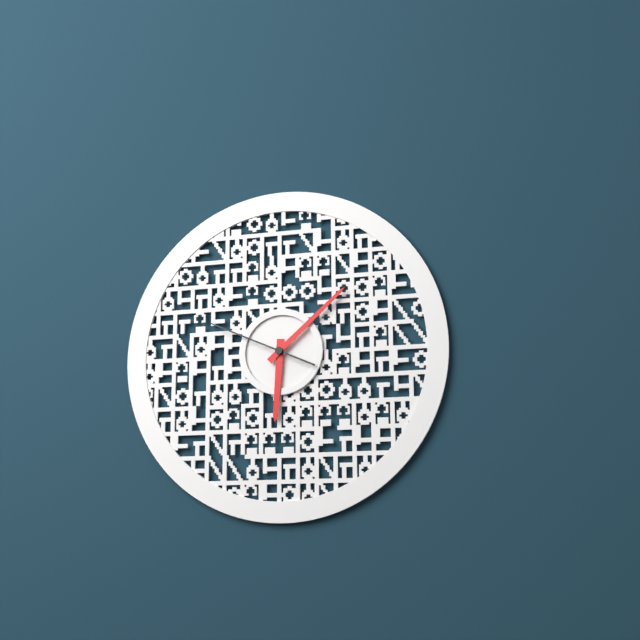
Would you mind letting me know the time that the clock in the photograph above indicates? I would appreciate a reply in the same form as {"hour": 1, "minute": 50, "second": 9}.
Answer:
{"hour": 6, "minute": 8, "second": 49}
